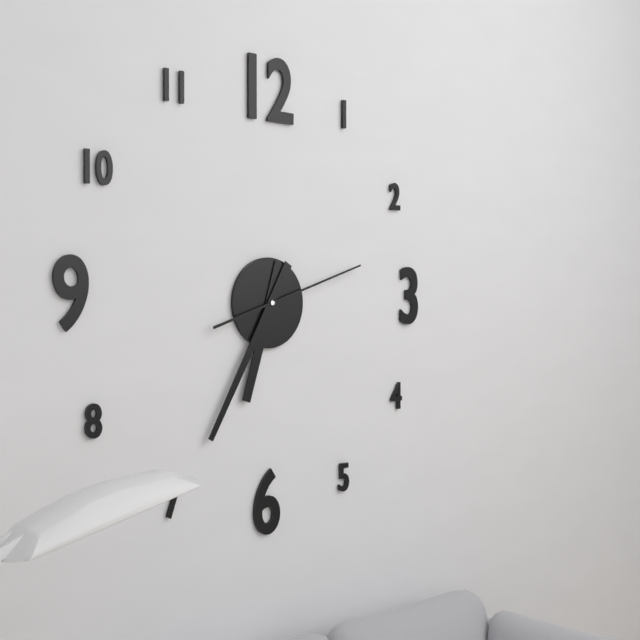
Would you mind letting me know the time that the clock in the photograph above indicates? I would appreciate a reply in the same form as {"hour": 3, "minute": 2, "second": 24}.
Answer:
{"hour": 6, "minute": 35, "second": 12}
